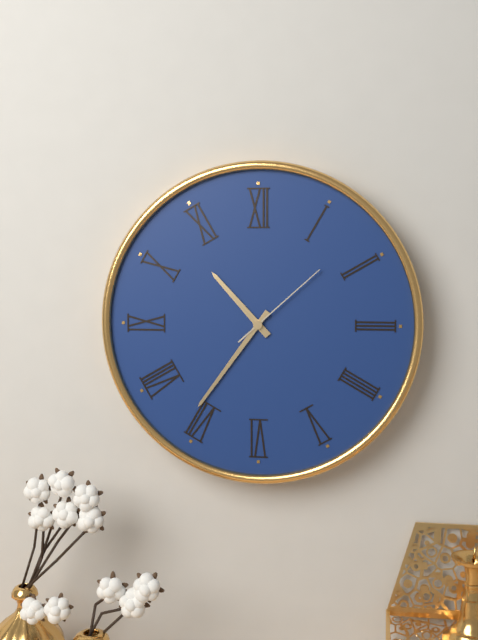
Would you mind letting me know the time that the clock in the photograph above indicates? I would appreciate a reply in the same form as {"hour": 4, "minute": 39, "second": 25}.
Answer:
{"hour": 10, "minute": 36, "second": 8}
